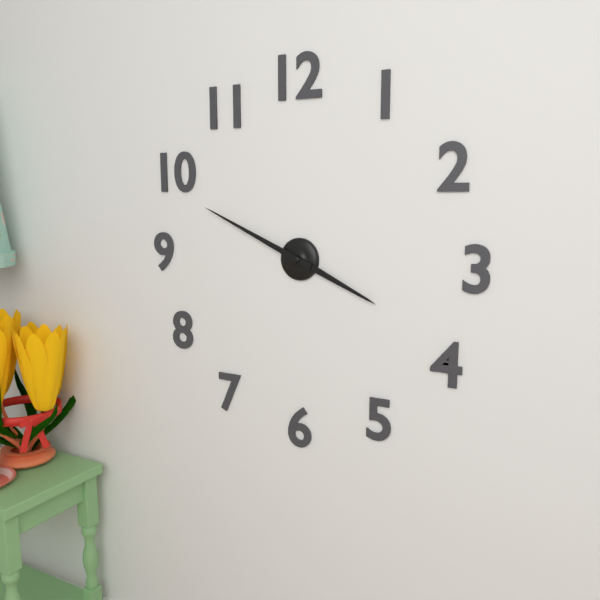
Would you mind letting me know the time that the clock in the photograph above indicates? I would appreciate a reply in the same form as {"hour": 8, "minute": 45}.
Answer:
{"hour": 3, "minute": 49}
